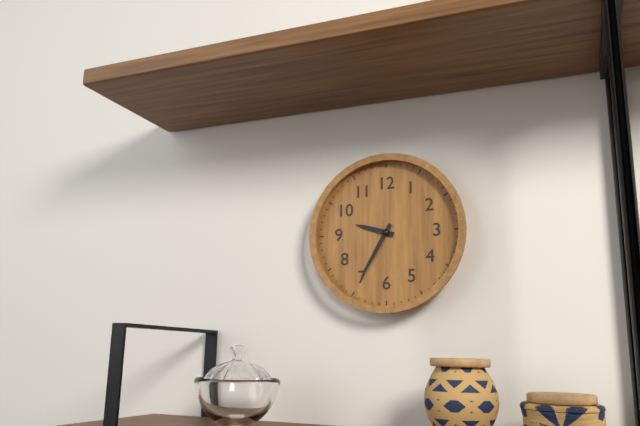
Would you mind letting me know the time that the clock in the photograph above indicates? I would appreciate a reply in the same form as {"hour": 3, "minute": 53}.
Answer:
{"hour": 9, "minute": 35}
